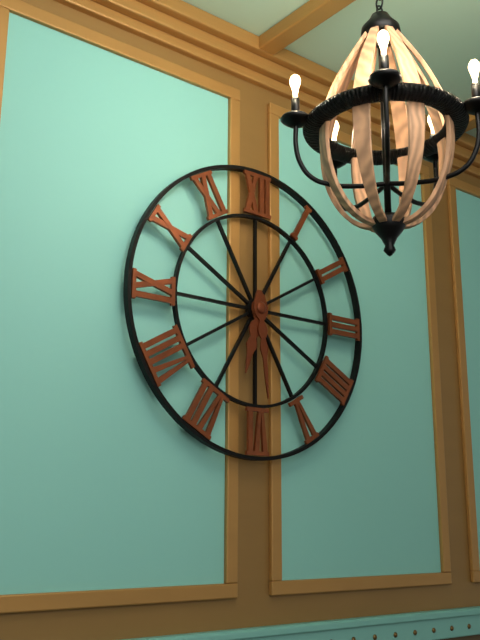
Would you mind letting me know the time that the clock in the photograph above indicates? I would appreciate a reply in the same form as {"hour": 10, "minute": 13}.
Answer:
{"hour": 6, "minute": 29}
